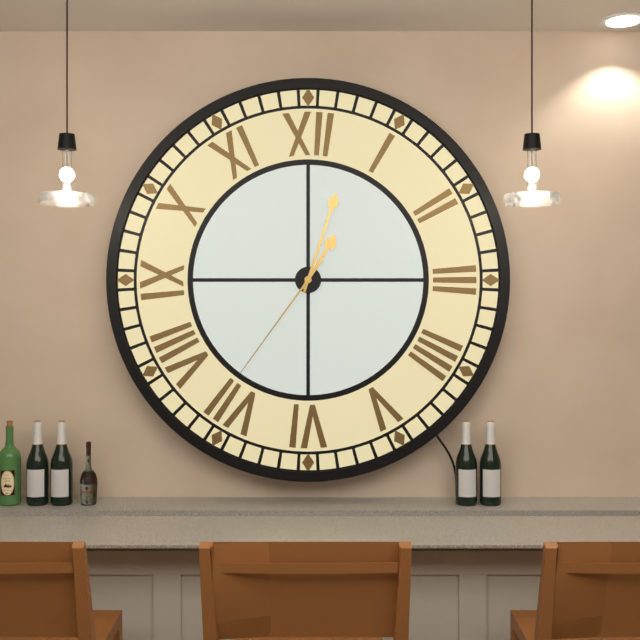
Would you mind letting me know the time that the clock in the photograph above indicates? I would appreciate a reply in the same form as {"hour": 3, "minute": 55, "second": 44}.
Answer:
{"hour": 1, "minute": 3, "second": 36}
